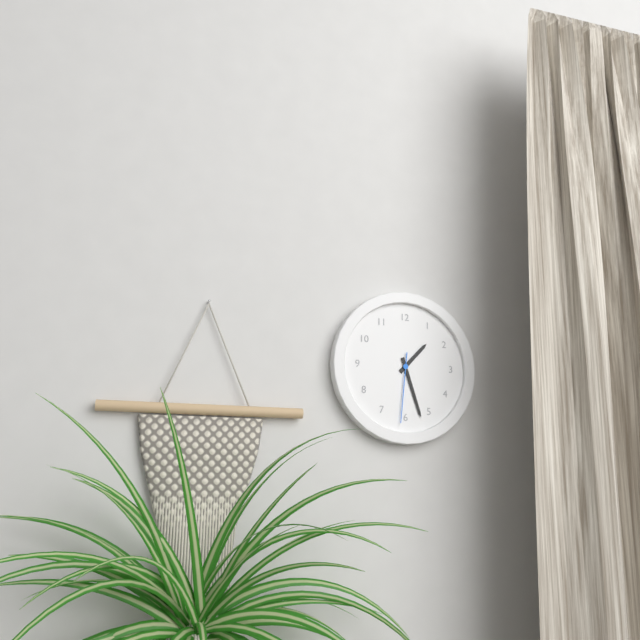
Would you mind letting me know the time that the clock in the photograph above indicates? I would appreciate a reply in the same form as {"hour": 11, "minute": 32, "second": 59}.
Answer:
{"hour": 1, "minute": 27, "second": 31}
